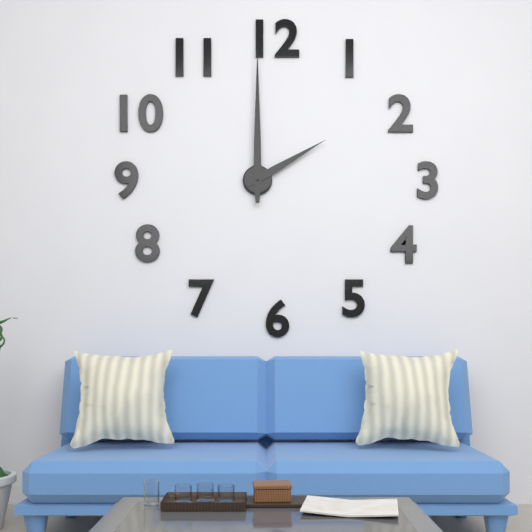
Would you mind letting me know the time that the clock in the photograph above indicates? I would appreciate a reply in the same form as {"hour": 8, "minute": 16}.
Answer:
{"hour": 2, "minute": 0}
